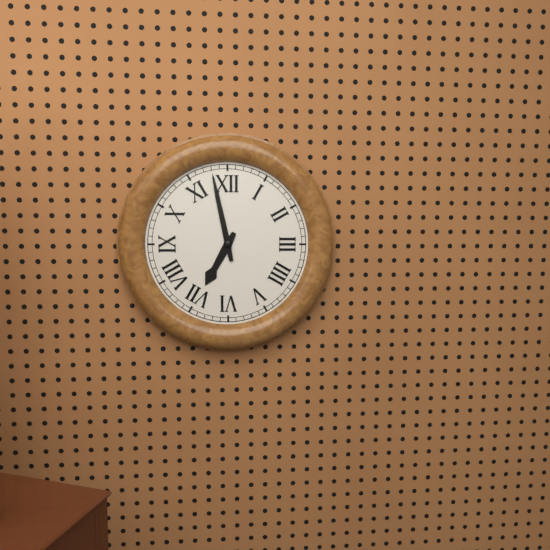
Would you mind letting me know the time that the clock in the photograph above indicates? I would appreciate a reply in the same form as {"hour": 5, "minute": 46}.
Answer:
{"hour": 6, "minute": 58}
